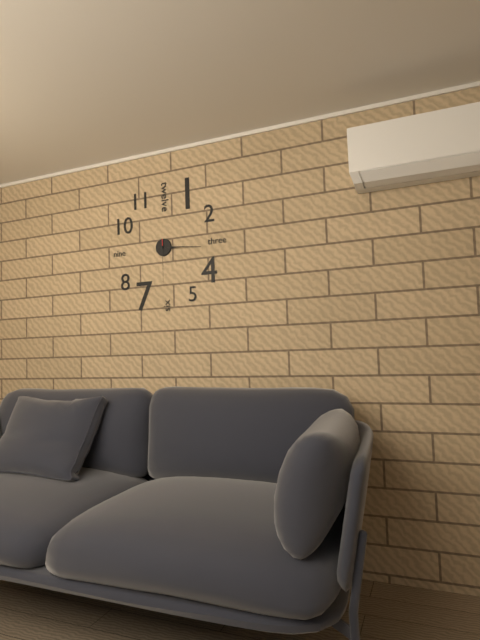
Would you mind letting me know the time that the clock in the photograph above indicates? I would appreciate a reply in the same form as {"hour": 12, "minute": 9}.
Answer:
{"hour": 3, "minute": 16}
